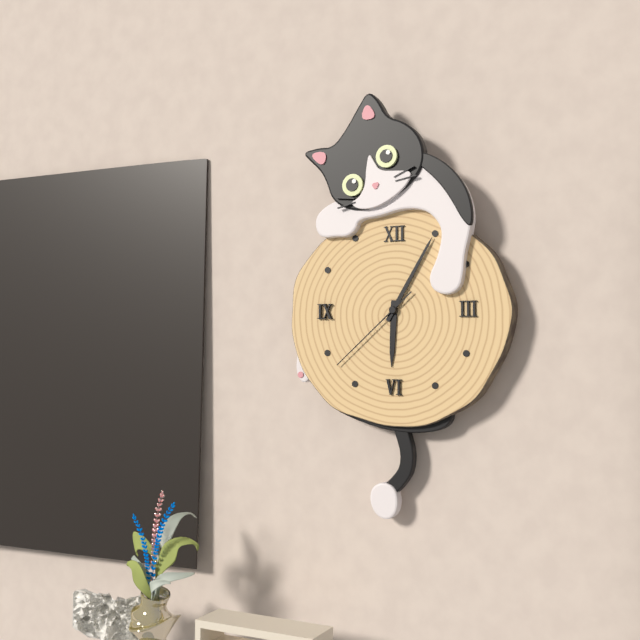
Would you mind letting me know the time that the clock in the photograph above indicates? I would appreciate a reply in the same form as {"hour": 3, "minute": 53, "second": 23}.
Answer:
{"hour": 6, "minute": 5, "second": 38}
